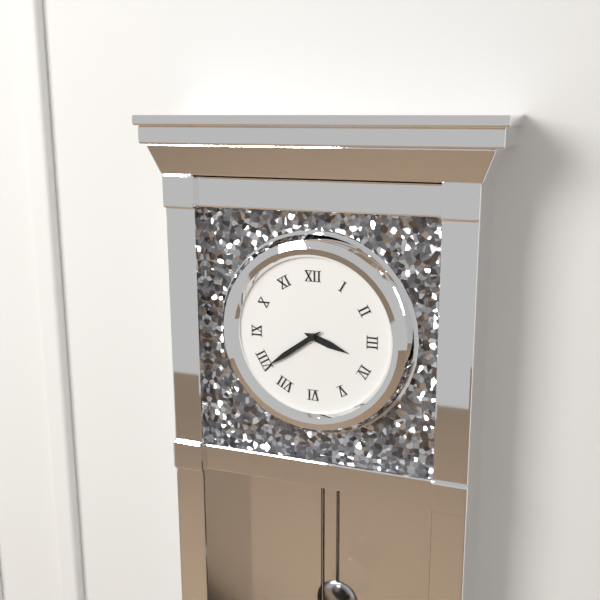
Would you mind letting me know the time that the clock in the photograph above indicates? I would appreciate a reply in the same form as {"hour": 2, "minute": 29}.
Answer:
{"hour": 3, "minute": 39}
